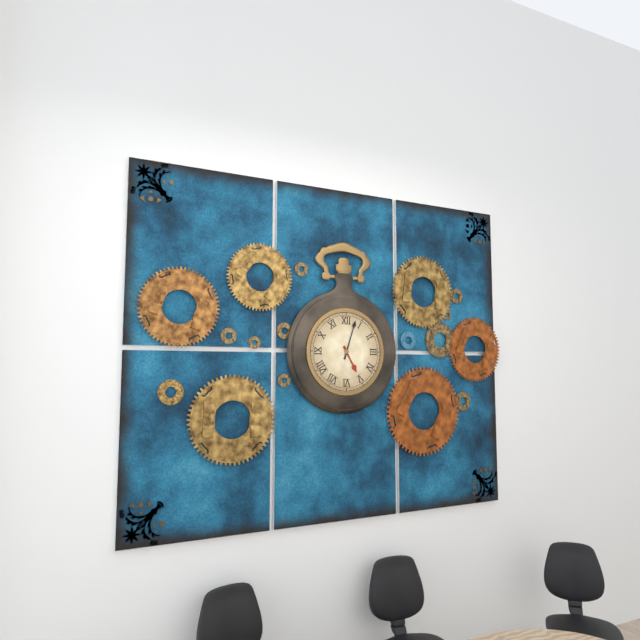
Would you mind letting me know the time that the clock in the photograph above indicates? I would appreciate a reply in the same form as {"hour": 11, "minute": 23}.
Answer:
{"hour": 5, "minute": 3}
